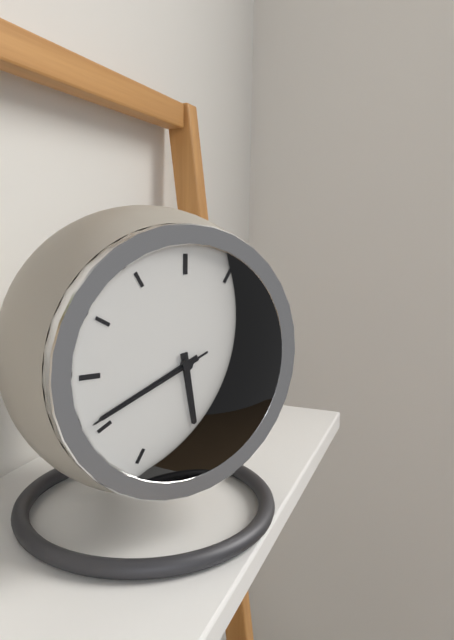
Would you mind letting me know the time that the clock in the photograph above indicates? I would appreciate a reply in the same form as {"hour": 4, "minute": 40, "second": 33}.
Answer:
{"hour": 5, "minute": 41, "second": 41}
